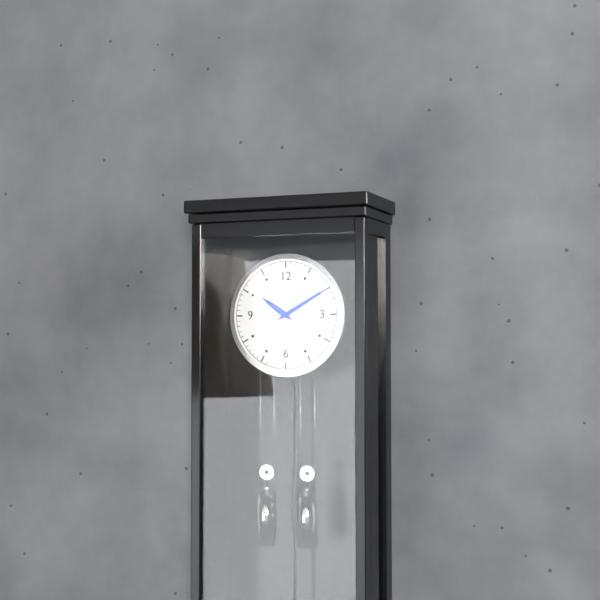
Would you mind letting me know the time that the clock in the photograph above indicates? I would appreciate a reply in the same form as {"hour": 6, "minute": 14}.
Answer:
{"hour": 10, "minute": 10}
